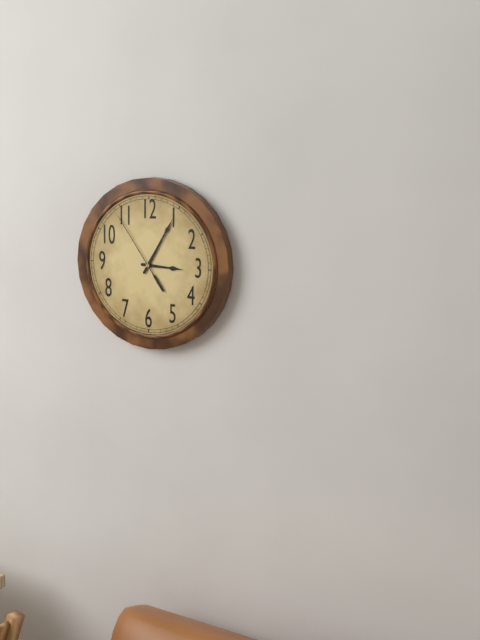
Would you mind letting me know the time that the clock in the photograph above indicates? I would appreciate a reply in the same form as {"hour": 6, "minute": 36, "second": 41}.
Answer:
{"hour": 3, "minute": 5, "second": 54}
